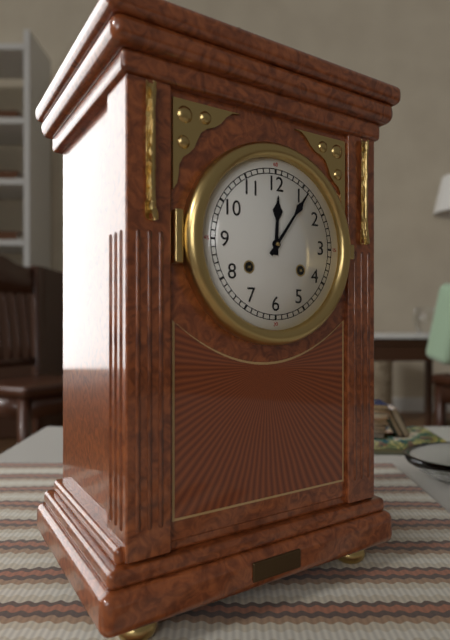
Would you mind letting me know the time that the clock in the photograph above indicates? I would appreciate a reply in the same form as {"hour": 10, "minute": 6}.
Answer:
{"hour": 12, "minute": 6}
